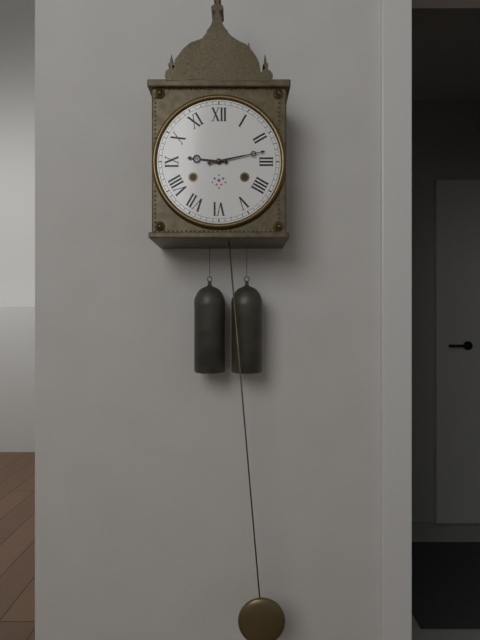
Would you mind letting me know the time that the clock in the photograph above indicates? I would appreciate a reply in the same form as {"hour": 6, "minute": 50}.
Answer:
{"hour": 9, "minute": 13}
